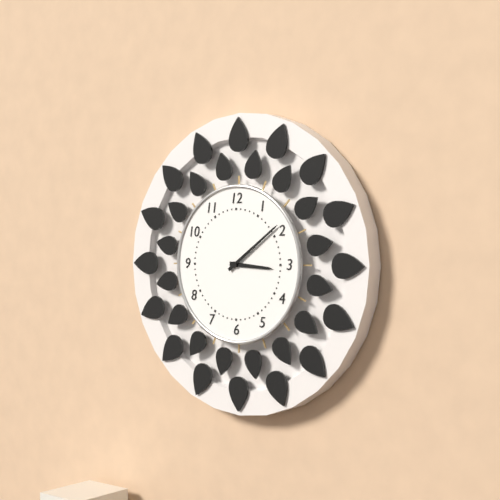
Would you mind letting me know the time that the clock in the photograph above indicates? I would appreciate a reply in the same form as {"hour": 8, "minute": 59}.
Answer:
{"hour": 3, "minute": 9}
